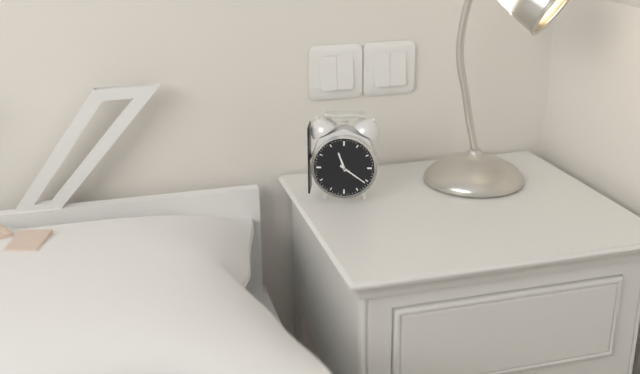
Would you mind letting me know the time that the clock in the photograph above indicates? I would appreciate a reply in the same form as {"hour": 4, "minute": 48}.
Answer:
{"hour": 11, "minute": 21}
